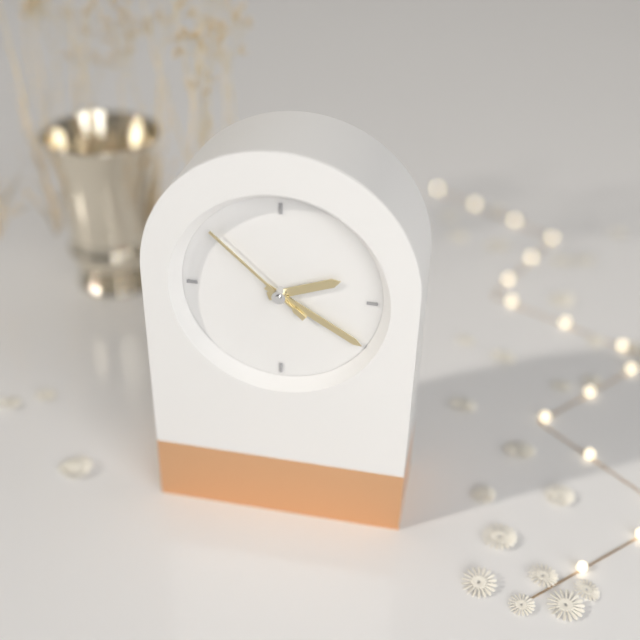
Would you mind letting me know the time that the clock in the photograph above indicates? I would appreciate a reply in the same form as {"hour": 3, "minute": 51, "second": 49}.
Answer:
{"hour": 2, "minute": 20, "second": 52}
